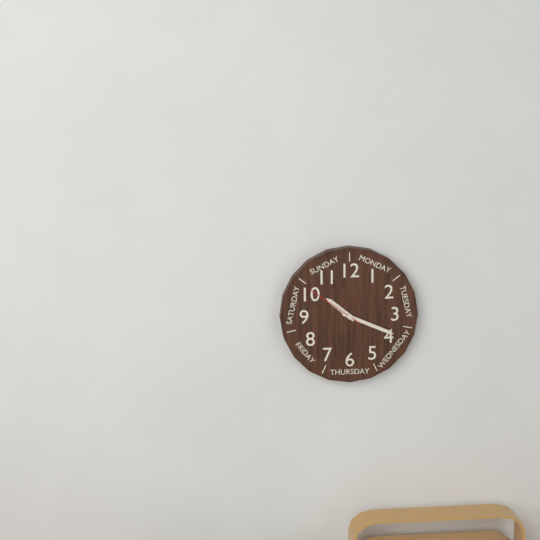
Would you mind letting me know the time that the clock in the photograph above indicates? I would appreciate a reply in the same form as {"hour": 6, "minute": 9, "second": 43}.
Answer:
{"hour": 10, "minute": 19, "second": 51}
